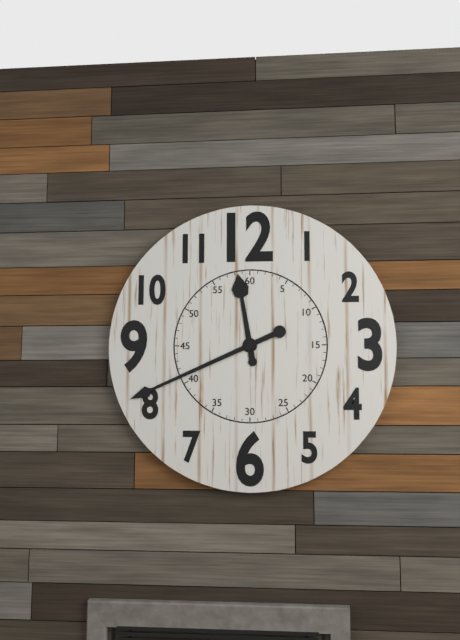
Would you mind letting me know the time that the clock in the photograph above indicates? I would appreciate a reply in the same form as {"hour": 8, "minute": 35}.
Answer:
{"hour": 11, "minute": 41}
